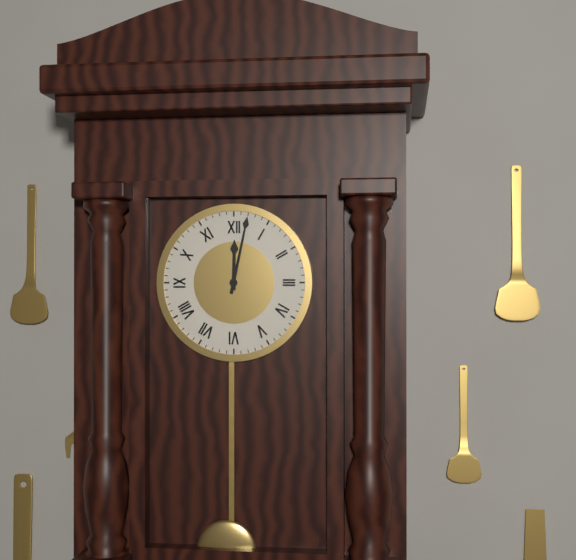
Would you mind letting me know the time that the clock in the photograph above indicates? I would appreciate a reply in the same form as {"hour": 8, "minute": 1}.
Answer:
{"hour": 12, "minute": 2}
